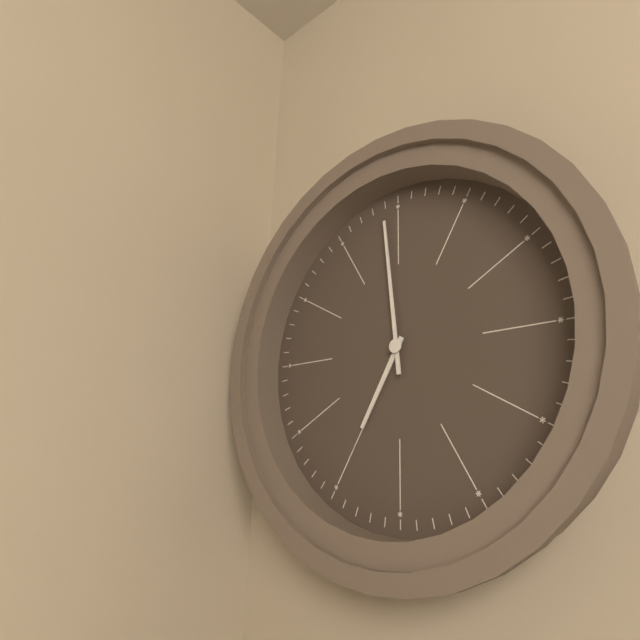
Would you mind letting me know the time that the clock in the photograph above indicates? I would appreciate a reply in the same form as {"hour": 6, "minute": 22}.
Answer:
{"hour": 6, "minute": 59}
